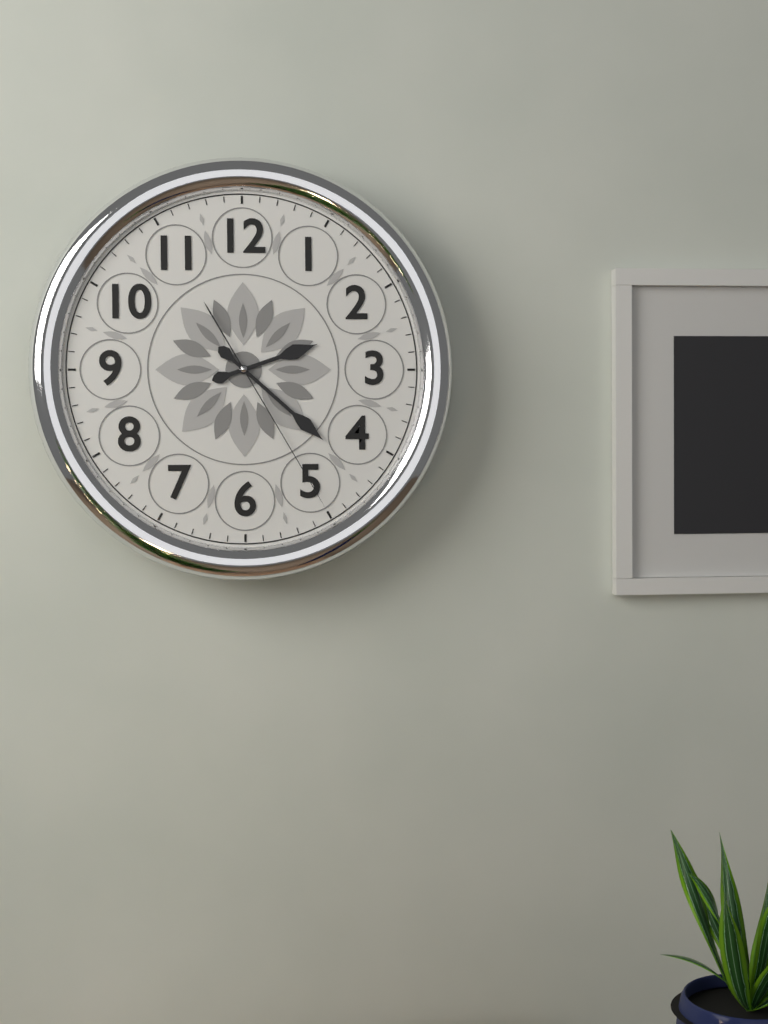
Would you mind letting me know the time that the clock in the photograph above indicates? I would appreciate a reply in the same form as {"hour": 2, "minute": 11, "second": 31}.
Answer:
{"hour": 2, "minute": 22, "second": 25}
